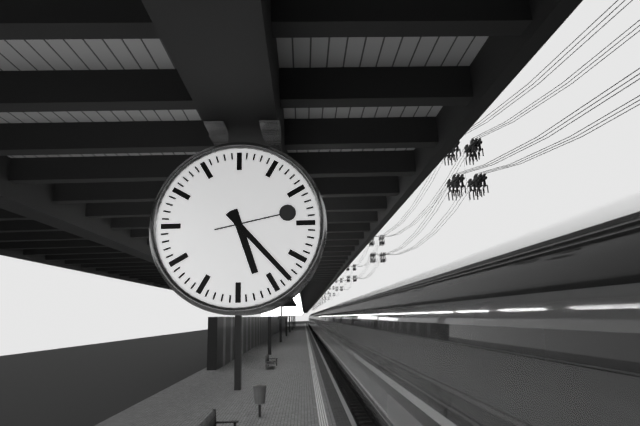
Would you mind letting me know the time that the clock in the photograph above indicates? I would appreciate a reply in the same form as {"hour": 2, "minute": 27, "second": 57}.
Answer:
{"hour": 5, "minute": 23, "second": 13}
